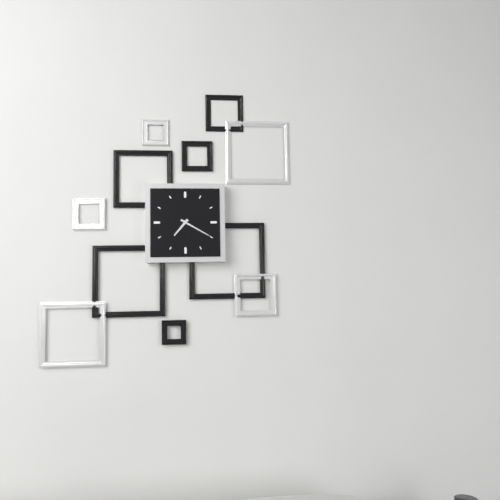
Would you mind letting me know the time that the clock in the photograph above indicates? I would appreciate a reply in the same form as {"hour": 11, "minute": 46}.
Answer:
{"hour": 7, "minute": 20}
